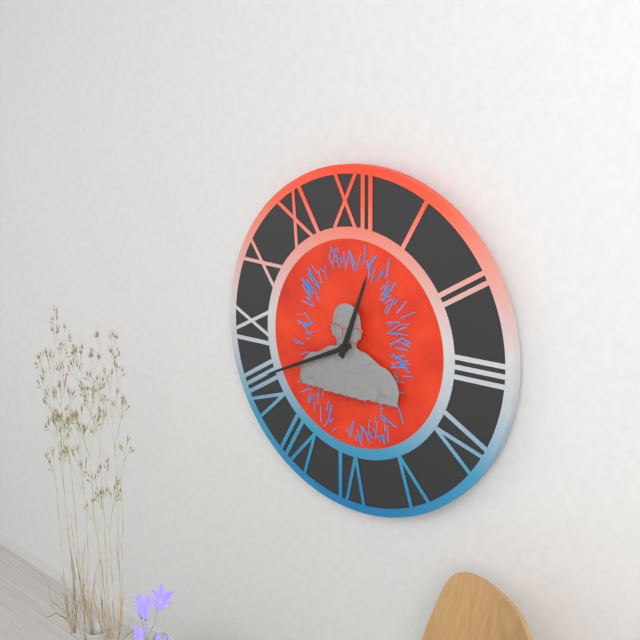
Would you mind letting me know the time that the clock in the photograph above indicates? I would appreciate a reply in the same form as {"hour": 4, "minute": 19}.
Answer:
{"hour": 12, "minute": 41}
